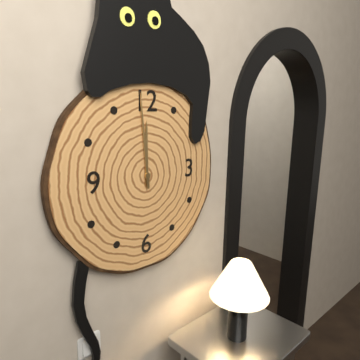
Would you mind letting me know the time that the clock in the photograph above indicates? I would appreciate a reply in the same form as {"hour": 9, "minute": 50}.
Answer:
{"hour": 11, "minute": 59}
